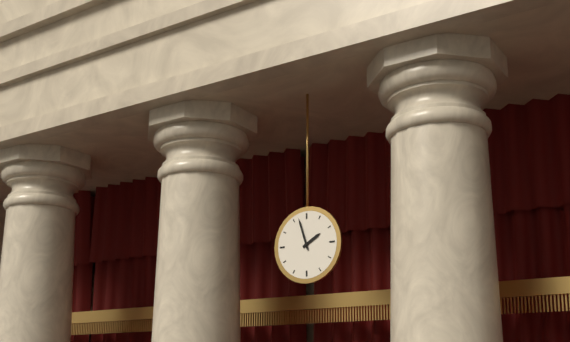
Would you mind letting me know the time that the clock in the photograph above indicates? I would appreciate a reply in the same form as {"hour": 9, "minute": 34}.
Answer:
{"hour": 1, "minute": 57}
